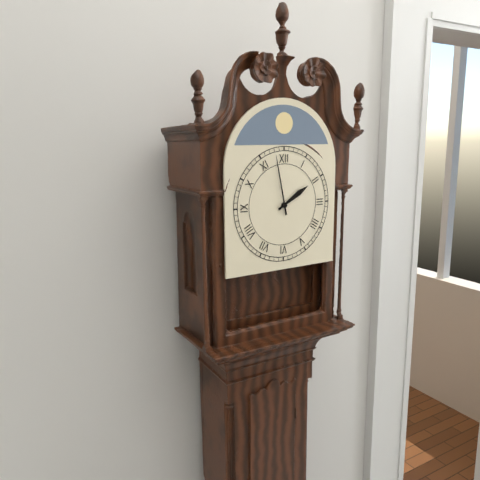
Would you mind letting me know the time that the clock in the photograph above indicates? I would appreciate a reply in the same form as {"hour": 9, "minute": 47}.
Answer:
{"hour": 1, "minute": 58}
